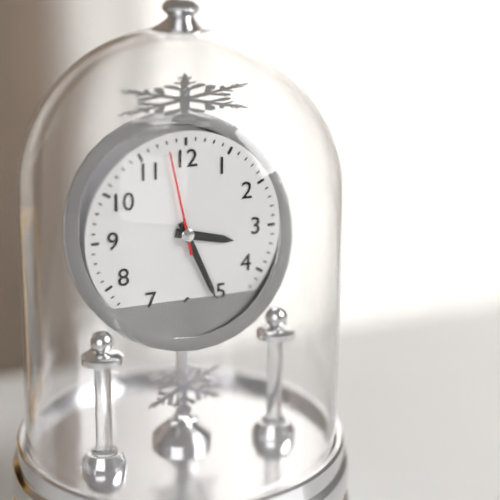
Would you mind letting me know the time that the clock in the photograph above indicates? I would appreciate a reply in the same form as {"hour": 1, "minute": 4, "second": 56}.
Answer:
{"hour": 3, "minute": 26, "second": 58}
